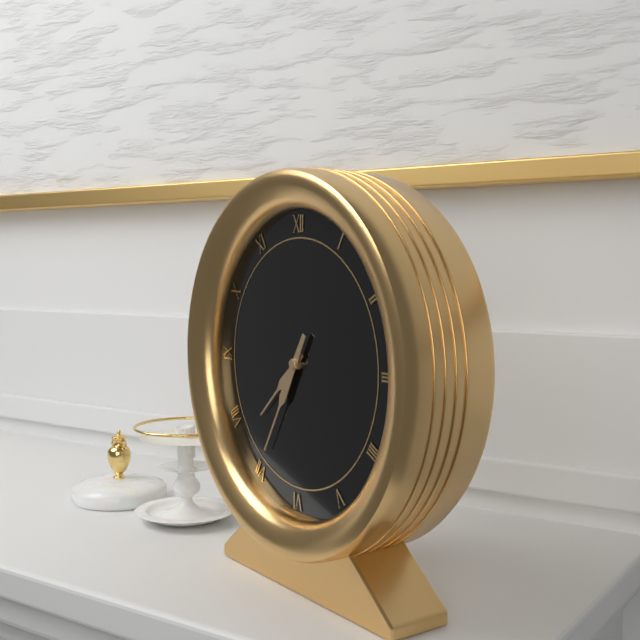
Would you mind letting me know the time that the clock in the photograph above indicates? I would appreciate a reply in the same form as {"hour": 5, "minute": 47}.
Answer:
{"hour": 7, "minute": 35}
